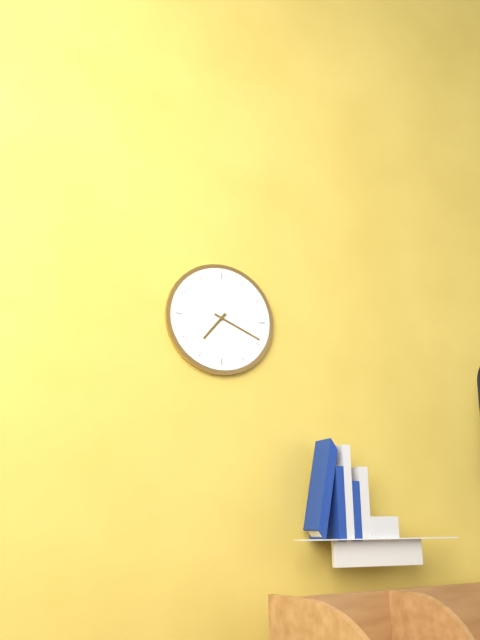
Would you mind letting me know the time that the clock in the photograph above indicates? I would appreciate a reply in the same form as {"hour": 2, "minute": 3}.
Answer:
{"hour": 7, "minute": 19}
